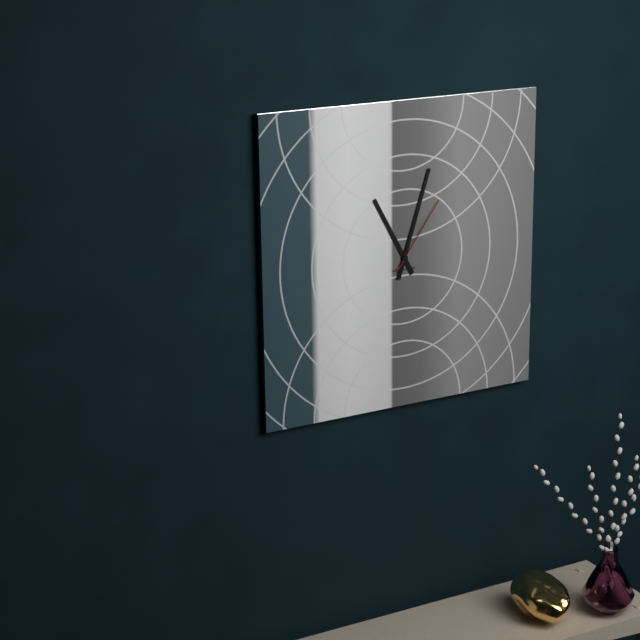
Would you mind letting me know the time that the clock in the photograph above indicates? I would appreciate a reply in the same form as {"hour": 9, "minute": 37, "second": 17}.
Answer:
{"hour": 11, "minute": 3, "second": 6}
